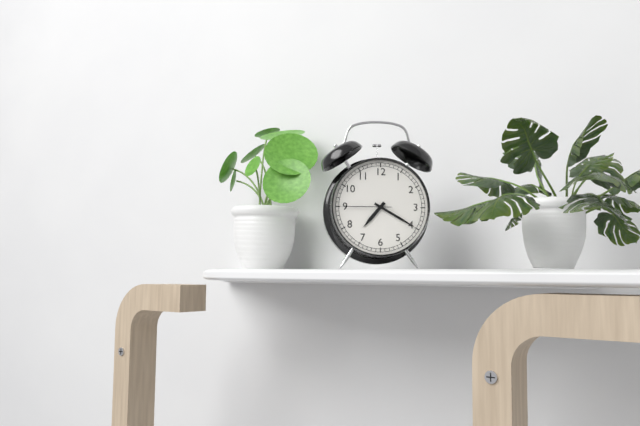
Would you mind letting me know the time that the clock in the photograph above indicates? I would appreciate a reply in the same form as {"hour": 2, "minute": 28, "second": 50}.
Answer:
{"hour": 7, "minute": 20, "second": 45}
